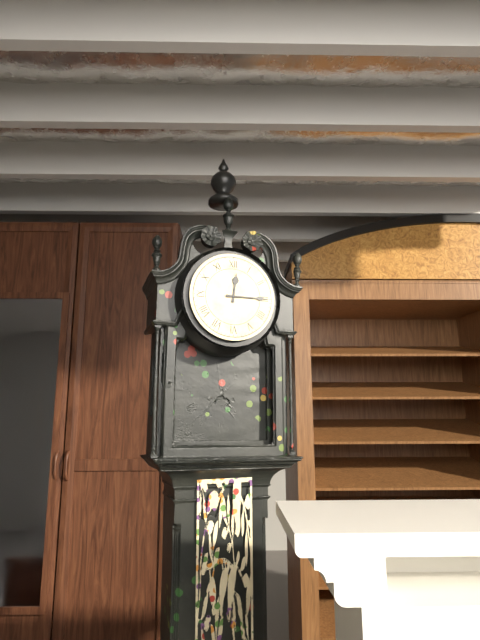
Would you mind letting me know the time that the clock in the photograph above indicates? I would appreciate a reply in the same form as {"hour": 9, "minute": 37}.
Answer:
{"hour": 12, "minute": 15}
